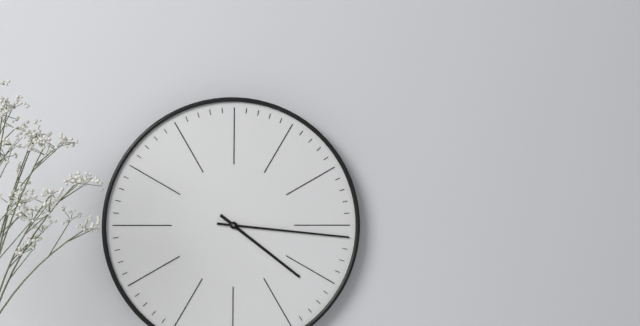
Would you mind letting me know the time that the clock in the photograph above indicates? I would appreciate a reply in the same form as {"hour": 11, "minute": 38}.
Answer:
{"hour": 4, "minute": 16}
